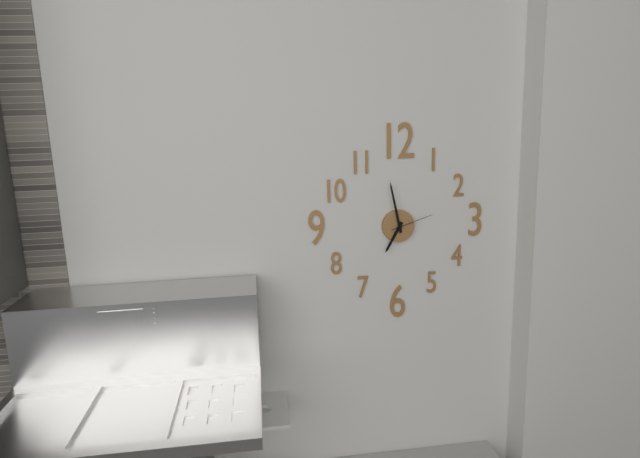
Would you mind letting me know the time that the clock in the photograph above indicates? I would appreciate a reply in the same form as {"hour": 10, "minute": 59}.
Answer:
{"hour": 6, "minute": 58}
